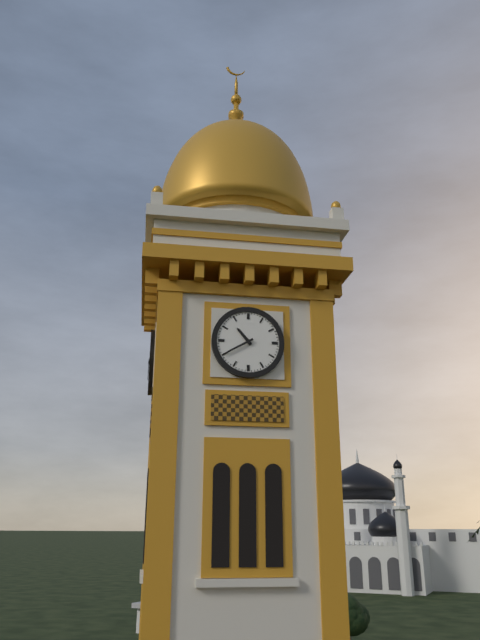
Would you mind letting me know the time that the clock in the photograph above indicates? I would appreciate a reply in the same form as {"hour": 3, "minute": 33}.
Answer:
{"hour": 10, "minute": 40}
